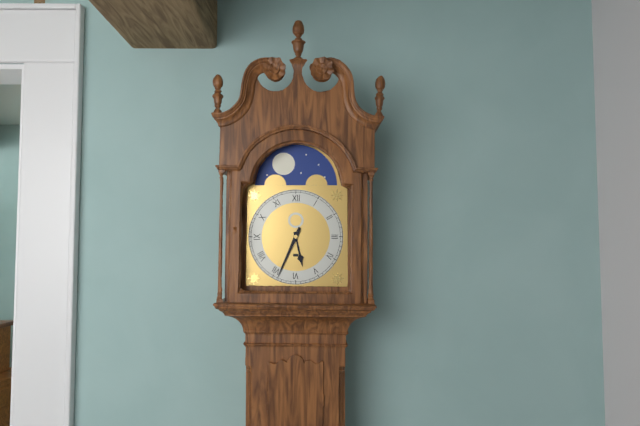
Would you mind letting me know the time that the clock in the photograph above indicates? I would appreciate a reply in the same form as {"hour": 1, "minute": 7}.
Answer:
{"hour": 5, "minute": 34}
